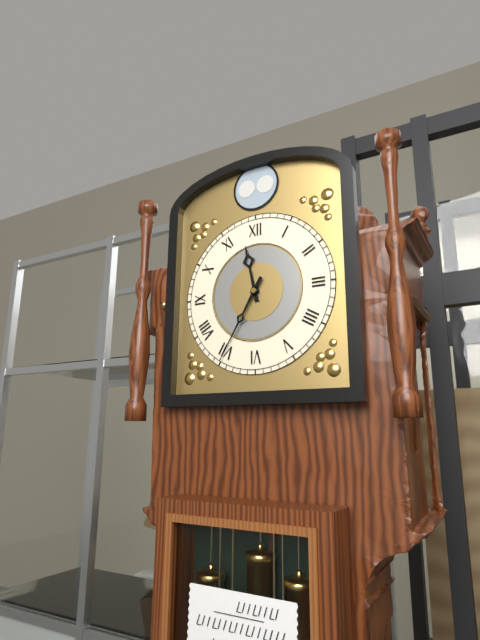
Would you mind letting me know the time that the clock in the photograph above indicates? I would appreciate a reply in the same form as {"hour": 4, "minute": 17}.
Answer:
{"hour": 11, "minute": 35}
